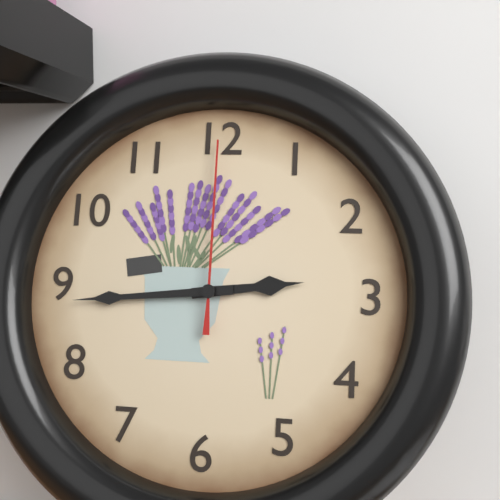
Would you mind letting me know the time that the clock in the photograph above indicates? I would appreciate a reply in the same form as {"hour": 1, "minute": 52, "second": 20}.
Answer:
{"hour": 2, "minute": 44, "second": 0}
